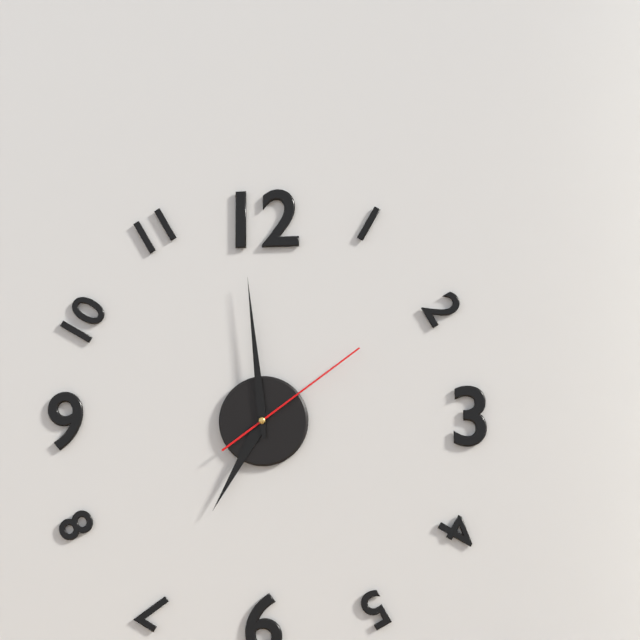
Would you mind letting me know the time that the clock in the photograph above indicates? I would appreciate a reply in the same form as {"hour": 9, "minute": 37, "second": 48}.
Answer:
{"hour": 6, "minute": 59, "second": 9}
